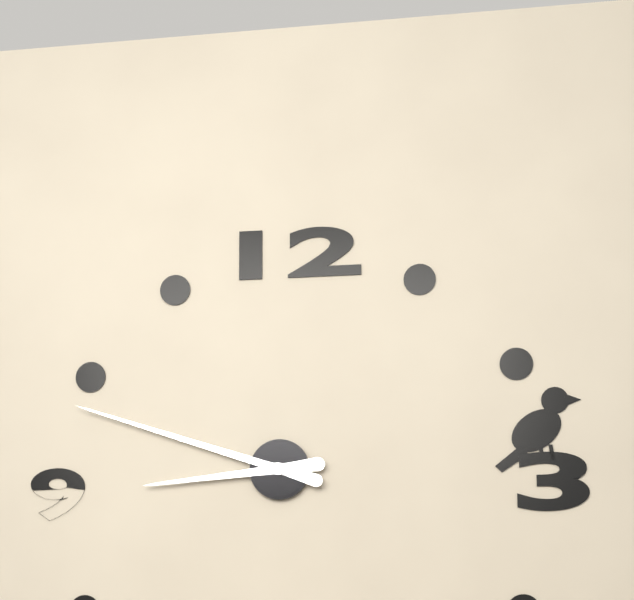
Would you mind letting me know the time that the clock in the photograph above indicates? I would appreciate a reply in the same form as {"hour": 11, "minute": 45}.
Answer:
{"hour": 8, "minute": 48}
